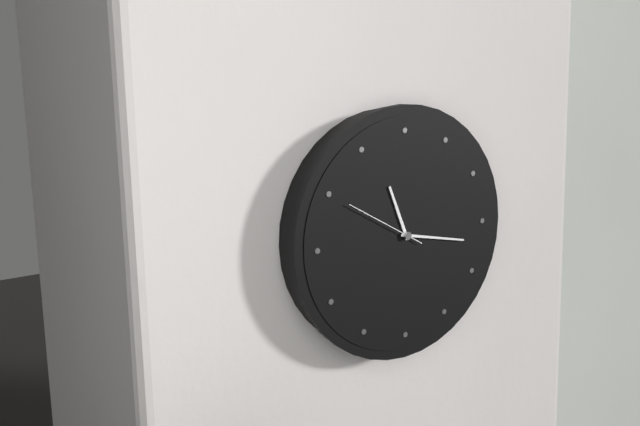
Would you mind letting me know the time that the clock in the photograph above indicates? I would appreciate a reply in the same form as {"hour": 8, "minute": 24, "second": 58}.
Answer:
{"hour": 11, "minute": 17, "second": 50}
